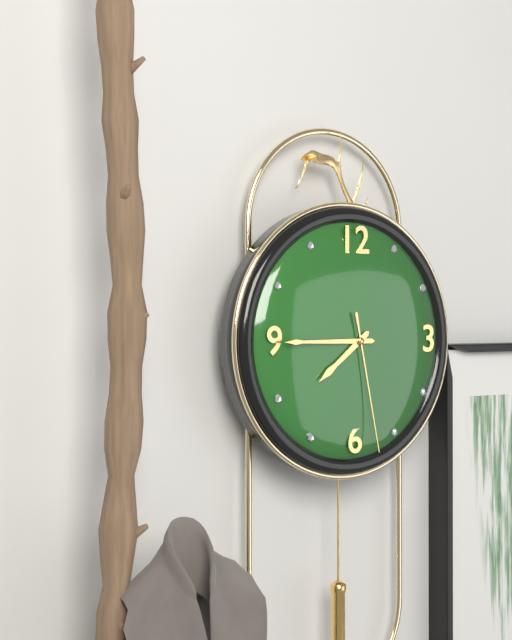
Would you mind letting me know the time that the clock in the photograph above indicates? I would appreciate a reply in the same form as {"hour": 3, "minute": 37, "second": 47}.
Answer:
{"hour": 7, "minute": 45, "second": 28}
